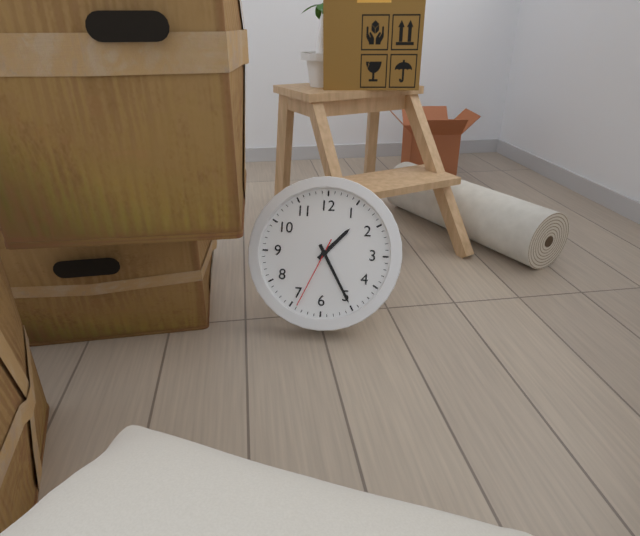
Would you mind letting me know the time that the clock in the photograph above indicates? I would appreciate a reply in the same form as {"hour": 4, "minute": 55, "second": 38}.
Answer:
{"hour": 1, "minute": 25, "second": 34}
